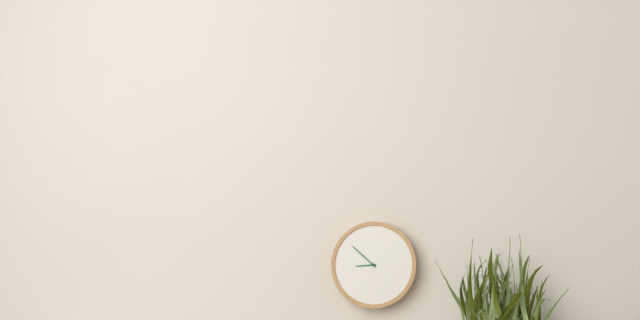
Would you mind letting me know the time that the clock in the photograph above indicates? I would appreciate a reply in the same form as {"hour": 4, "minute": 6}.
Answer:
{"hour": 8, "minute": 52}
